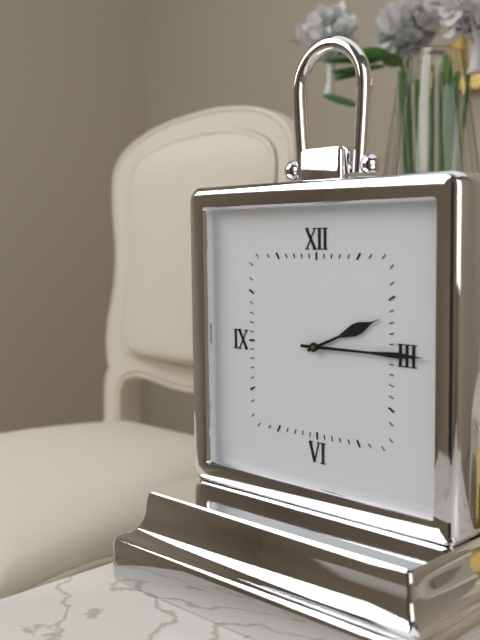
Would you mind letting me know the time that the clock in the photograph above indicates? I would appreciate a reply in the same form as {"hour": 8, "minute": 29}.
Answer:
{"hour": 2, "minute": 15}
